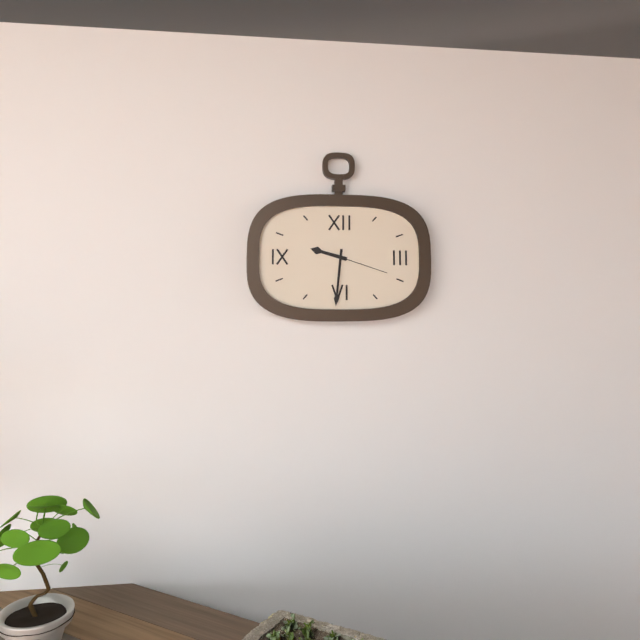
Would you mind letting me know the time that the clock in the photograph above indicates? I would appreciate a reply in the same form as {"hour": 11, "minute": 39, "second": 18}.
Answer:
{"hour": 9, "minute": 31, "second": 18}
